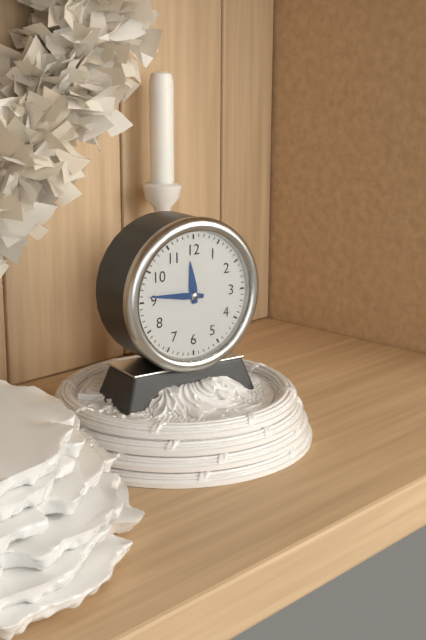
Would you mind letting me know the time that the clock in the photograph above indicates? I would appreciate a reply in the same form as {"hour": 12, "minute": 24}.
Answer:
{"hour": 11, "minute": 46}
